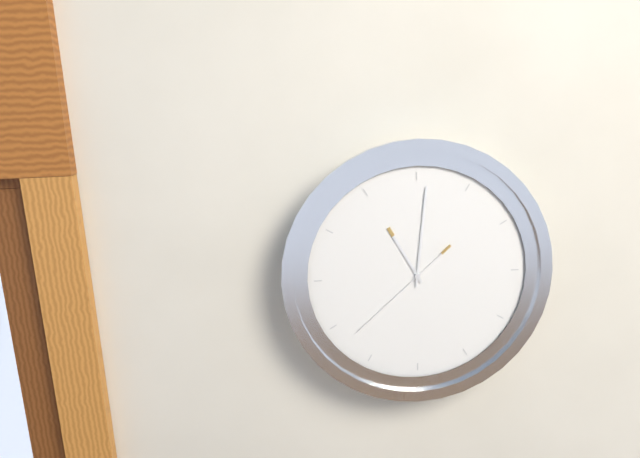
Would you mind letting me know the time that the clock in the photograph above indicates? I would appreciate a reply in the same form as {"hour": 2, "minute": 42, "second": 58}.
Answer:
{"hour": 11, "minute": 1, "second": 38}
